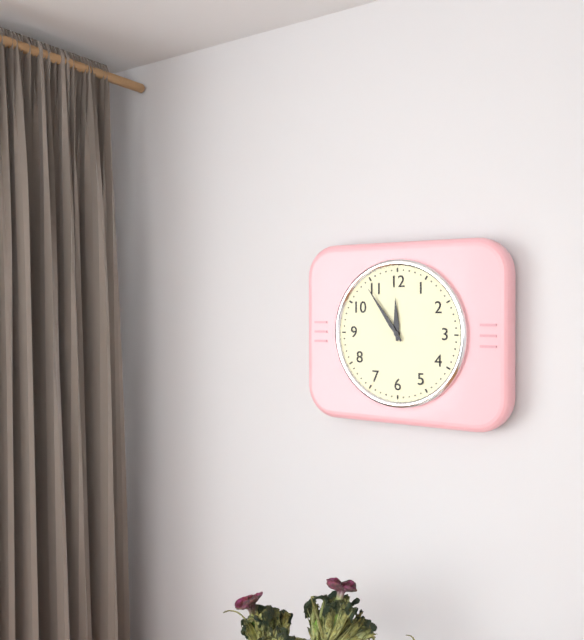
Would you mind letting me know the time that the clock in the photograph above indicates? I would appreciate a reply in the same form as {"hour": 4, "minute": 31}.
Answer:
{"hour": 11, "minute": 54}
